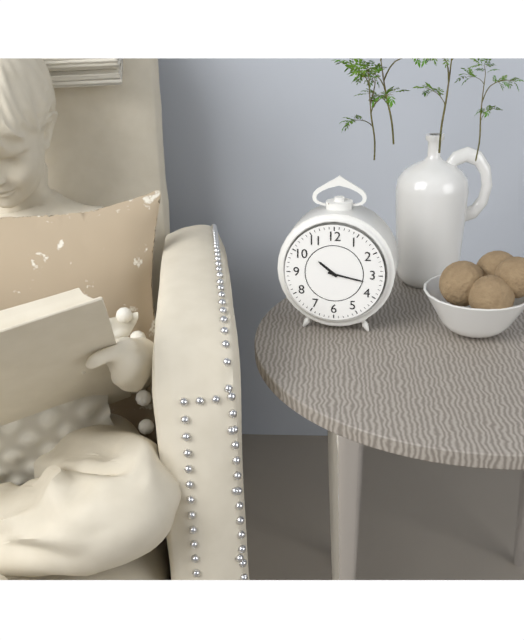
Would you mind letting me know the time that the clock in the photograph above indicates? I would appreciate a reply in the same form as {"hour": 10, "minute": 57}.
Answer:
{"hour": 10, "minute": 17}
